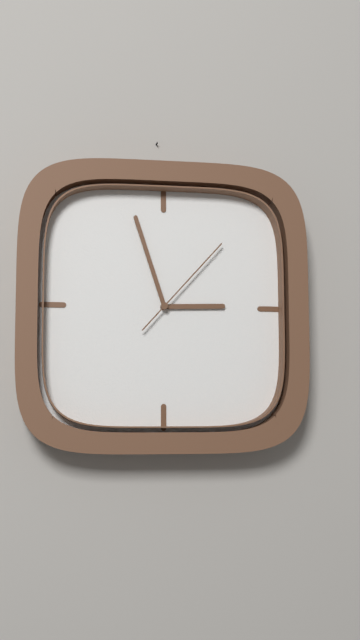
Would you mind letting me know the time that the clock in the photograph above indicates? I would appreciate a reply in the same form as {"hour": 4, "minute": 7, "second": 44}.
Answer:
{"hour": 2, "minute": 57, "second": 7}
